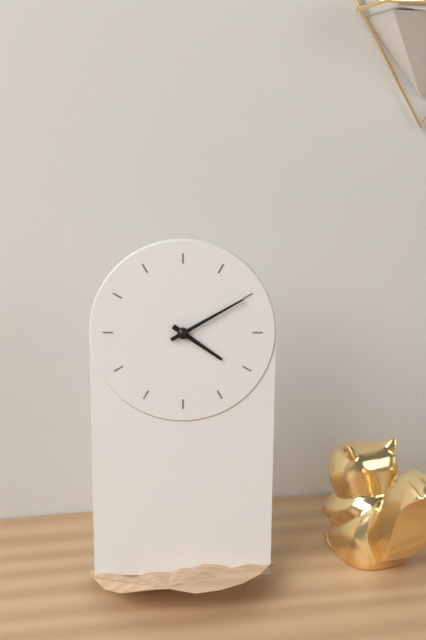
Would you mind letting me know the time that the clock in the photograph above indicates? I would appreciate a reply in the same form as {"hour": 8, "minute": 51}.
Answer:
{"hour": 4, "minute": 10}
